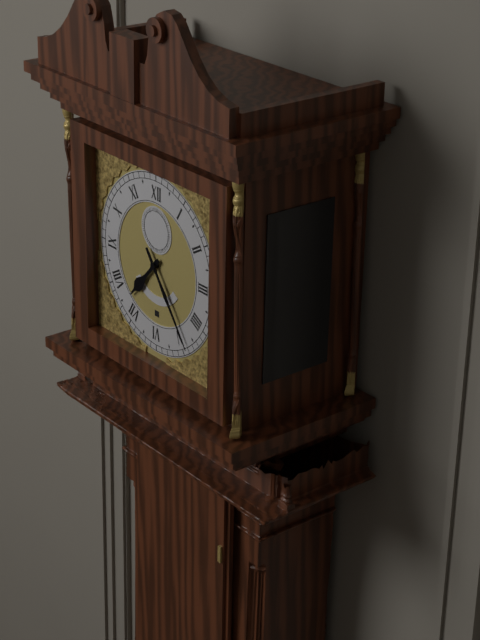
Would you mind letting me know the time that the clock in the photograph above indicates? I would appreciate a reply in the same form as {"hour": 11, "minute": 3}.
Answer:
{"hour": 7, "minute": 24}
